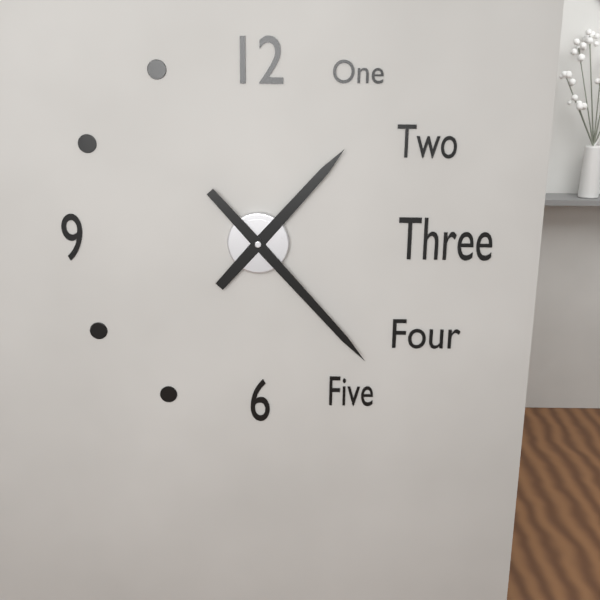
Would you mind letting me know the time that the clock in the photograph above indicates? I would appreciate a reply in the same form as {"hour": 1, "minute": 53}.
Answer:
{"hour": 1, "minute": 23}
